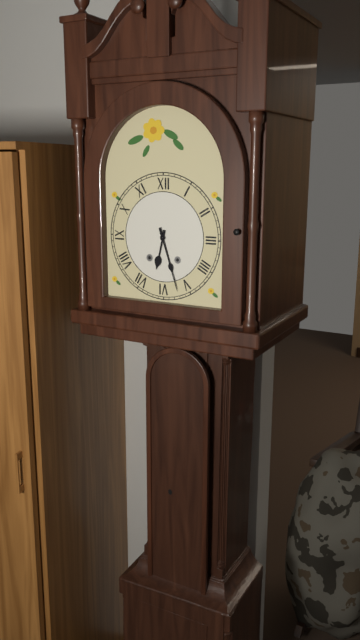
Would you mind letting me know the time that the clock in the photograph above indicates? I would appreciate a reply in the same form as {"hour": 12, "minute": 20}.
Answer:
{"hour": 6, "minute": 27}
